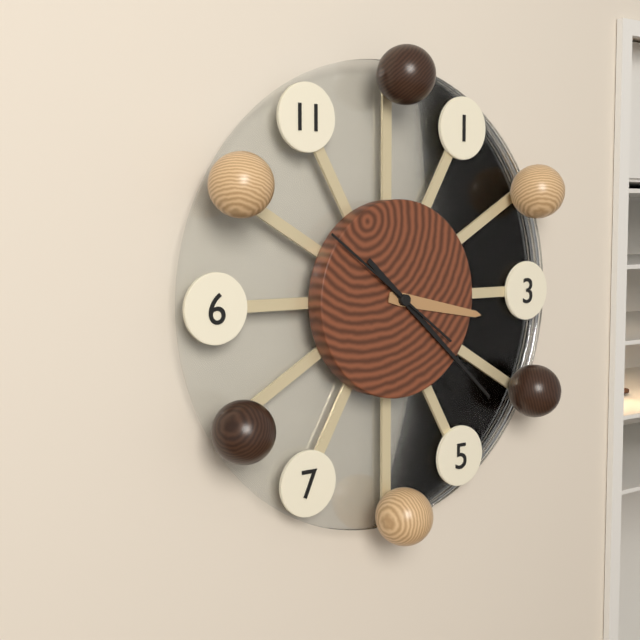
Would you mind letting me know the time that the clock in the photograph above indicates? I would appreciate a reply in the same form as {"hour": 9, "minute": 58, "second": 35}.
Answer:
{"hour": 3, "minute": 22, "second": 51}
